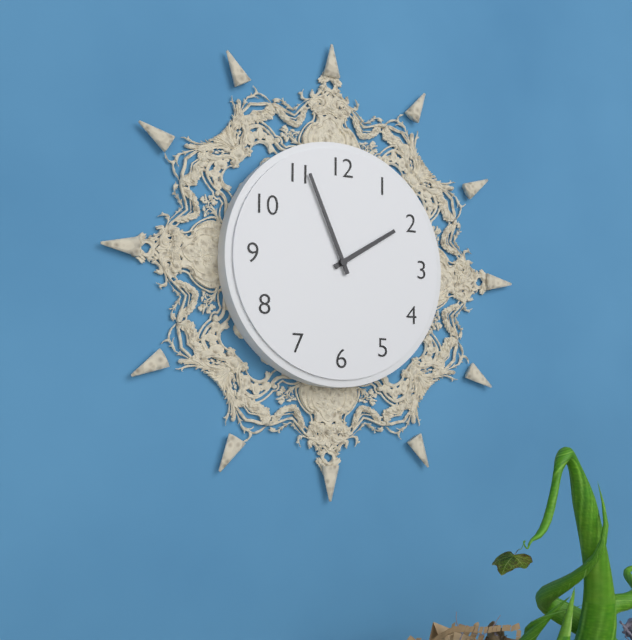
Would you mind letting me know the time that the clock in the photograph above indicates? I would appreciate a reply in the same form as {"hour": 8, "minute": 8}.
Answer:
{"hour": 1, "minute": 56}
